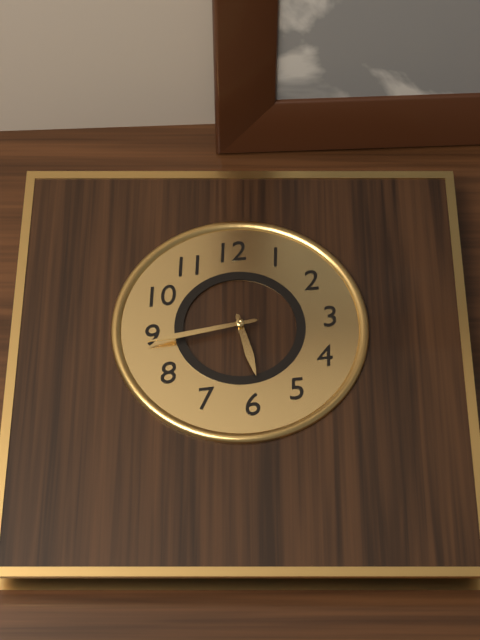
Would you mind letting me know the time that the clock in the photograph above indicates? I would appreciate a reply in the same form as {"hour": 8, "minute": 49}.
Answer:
{"hour": 5, "minute": 44}
